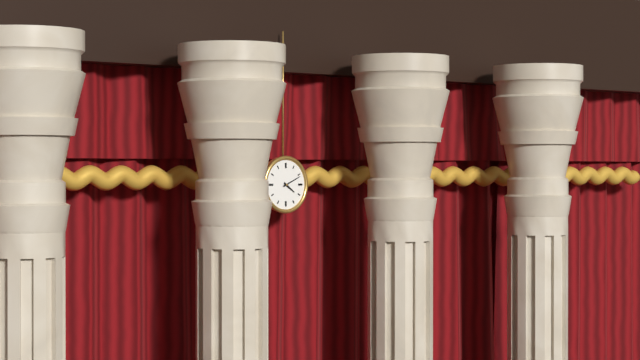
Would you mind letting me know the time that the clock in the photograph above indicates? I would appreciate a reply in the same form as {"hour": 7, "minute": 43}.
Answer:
{"hour": 4, "minute": 11}
